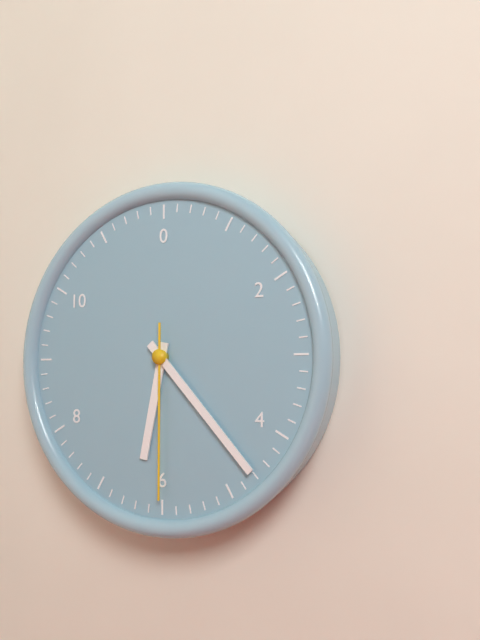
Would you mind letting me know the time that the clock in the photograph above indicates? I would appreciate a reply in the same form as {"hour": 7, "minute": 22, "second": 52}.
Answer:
{"hour": 6, "minute": 23, "second": 30}
